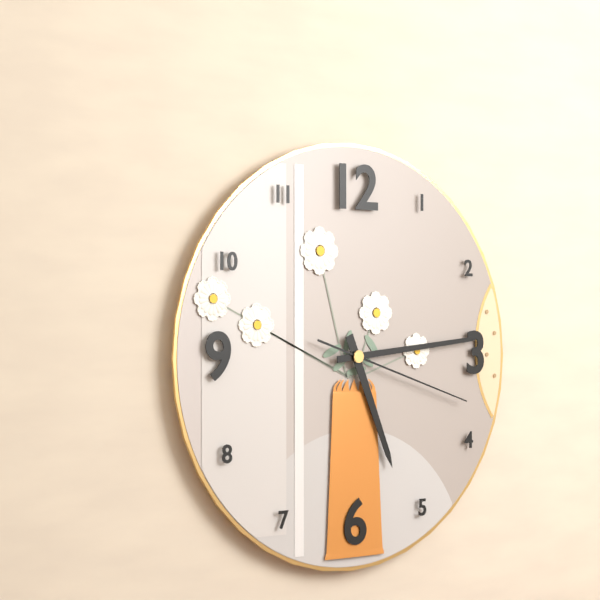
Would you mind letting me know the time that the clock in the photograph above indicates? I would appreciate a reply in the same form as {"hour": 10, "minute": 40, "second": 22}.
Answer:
{"hour": 5, "minute": 14, "second": 18}
